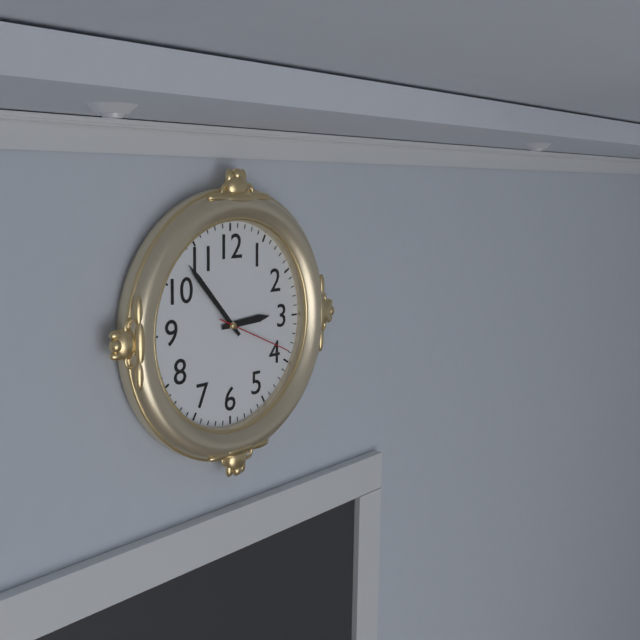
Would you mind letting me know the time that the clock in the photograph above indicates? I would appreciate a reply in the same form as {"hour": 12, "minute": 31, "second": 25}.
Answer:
{"hour": 2, "minute": 53, "second": 19}
